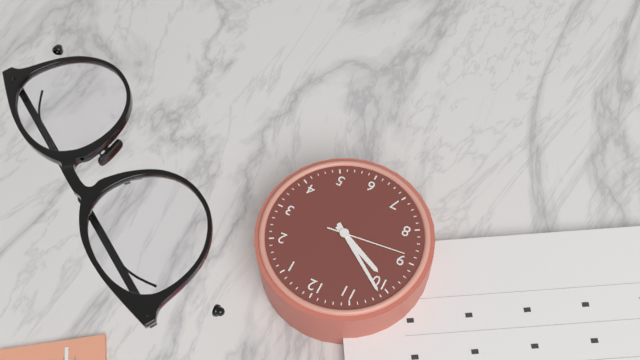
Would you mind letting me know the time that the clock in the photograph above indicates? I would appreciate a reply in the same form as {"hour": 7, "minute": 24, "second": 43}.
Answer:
{"hour": 9, "minute": 51, "second": 44}
